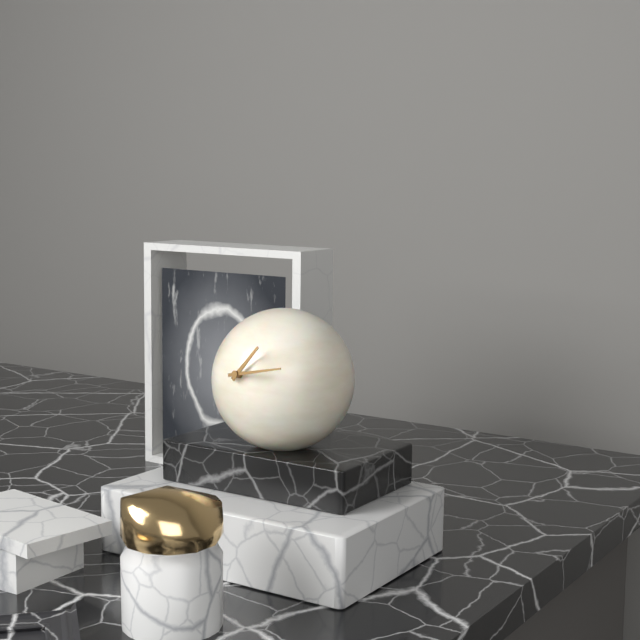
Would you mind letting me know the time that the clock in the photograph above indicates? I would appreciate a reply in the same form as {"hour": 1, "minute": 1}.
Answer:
{"hour": 1, "minute": 13}
